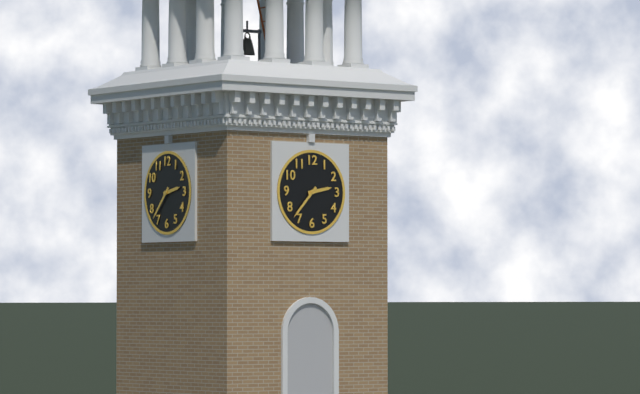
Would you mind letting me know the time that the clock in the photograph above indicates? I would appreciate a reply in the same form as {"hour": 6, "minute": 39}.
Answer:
{"hour": 2, "minute": 37}
